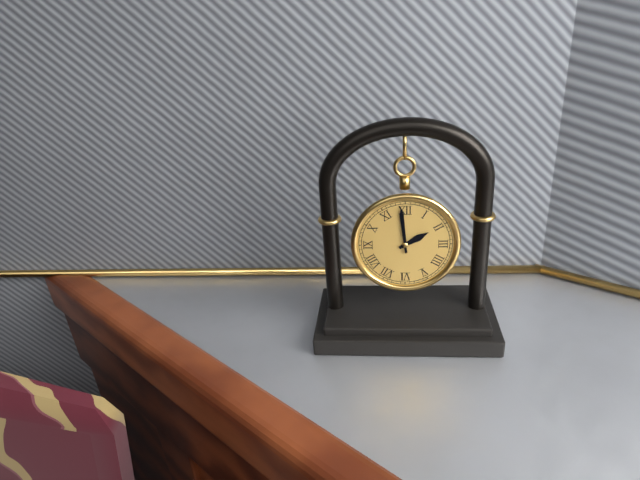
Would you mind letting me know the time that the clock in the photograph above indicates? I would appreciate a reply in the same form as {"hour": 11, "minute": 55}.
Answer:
{"hour": 1, "minute": 59}
